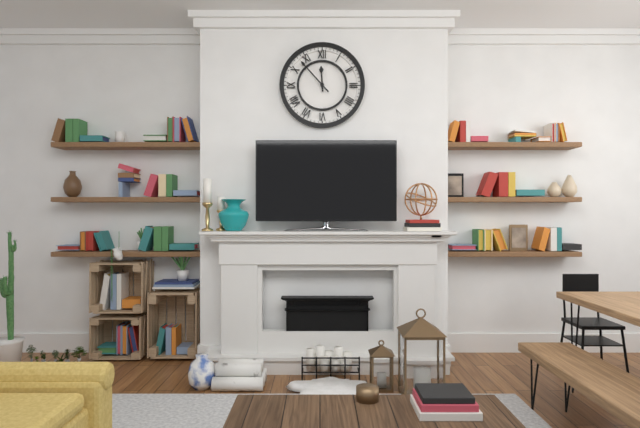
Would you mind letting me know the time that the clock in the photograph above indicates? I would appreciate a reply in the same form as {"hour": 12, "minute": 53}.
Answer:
{"hour": 11, "minute": 53}
